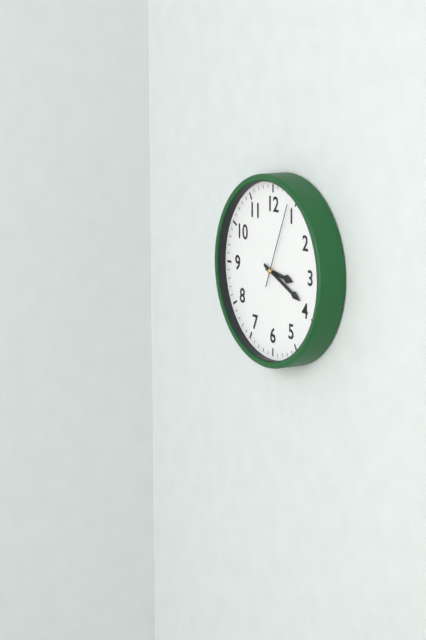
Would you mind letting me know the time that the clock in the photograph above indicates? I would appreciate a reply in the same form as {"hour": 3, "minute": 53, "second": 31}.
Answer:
{"hour": 3, "minute": 19, "second": 4}
